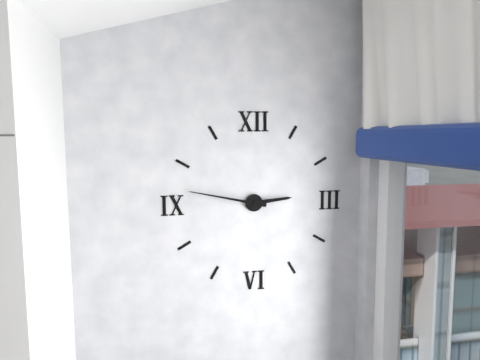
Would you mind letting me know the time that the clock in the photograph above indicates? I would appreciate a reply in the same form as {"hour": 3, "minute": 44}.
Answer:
{"hour": 2, "minute": 47}
